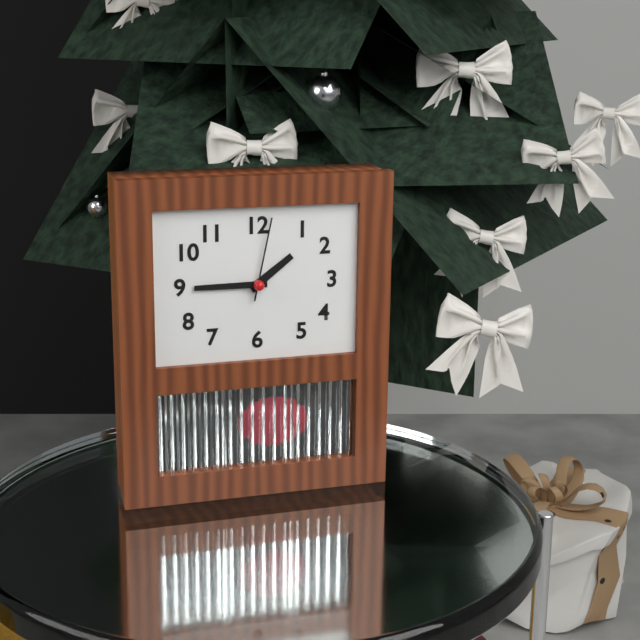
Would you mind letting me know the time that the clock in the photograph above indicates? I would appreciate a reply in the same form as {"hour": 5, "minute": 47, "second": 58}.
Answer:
{"hour": 1, "minute": 45, "second": 2}
